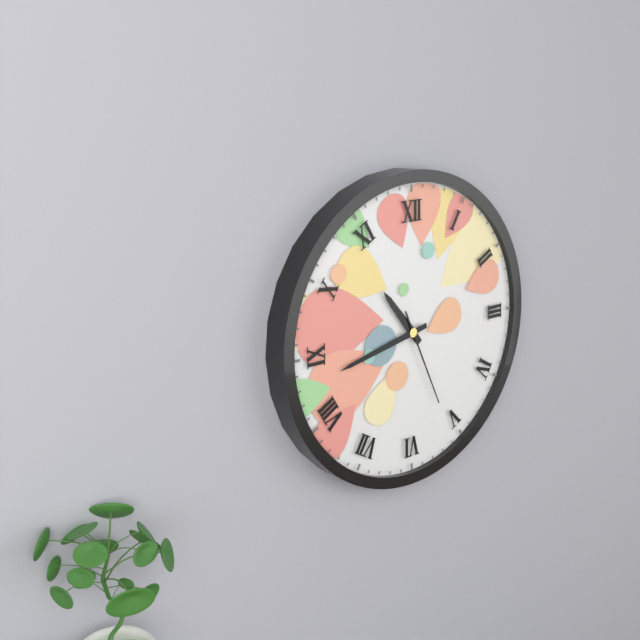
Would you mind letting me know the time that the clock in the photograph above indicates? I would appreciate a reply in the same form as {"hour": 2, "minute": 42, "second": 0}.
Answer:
{"hour": 10, "minute": 43, "second": 26}
